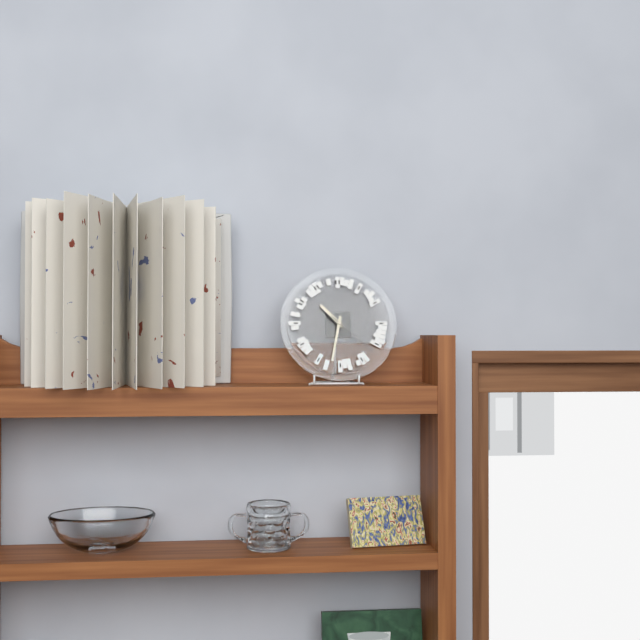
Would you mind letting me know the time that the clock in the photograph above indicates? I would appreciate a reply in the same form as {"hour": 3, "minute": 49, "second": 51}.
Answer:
{"hour": 10, "minute": 32, "second": 22}
